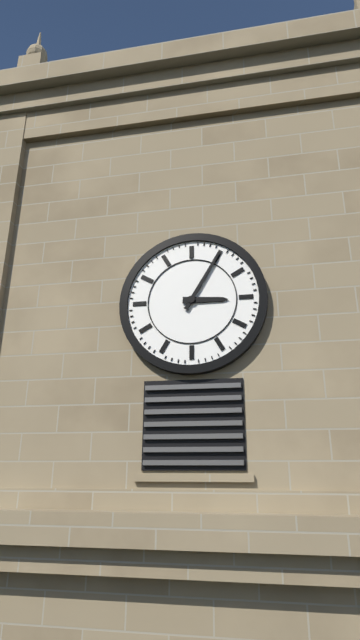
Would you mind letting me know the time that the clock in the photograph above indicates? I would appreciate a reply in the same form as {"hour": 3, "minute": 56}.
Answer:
{"hour": 3, "minute": 5}
